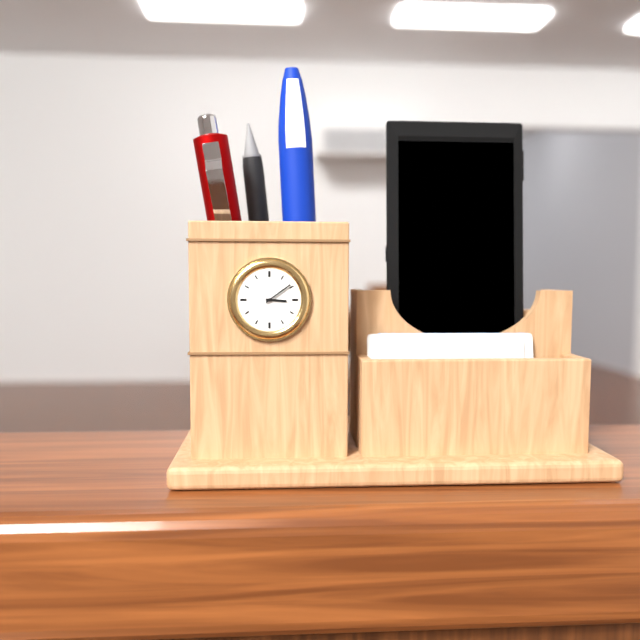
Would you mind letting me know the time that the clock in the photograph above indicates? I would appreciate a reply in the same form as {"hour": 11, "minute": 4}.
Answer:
{"hour": 3, "minute": 9}
